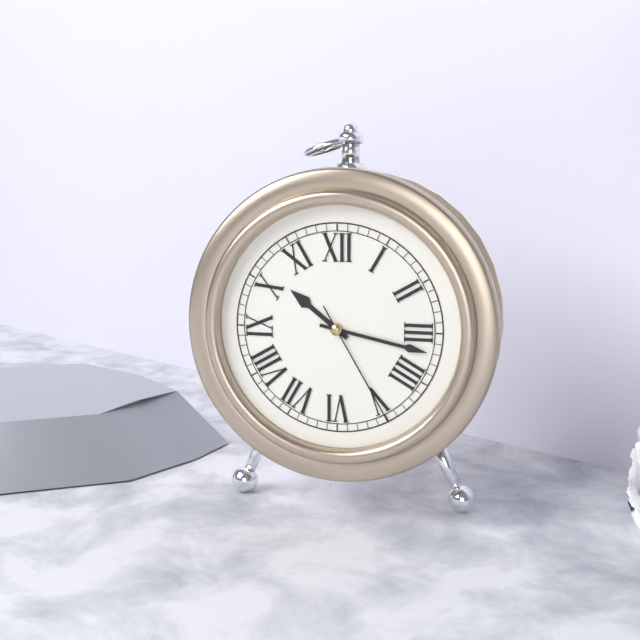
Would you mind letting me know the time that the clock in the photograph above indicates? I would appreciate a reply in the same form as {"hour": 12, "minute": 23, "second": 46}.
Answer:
{"hour": 10, "minute": 17, "second": 25}
